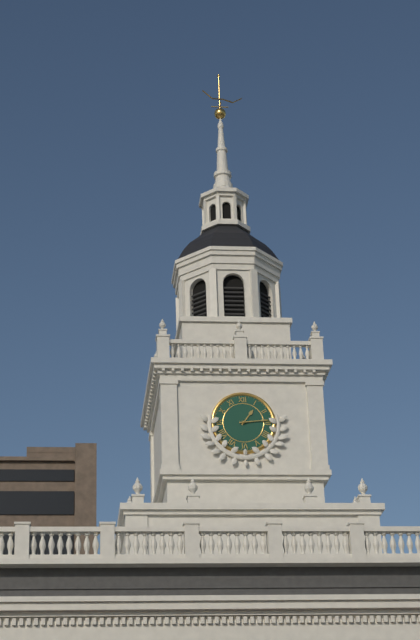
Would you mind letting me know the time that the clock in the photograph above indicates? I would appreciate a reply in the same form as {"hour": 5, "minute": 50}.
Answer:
{"hour": 1, "minute": 14}
